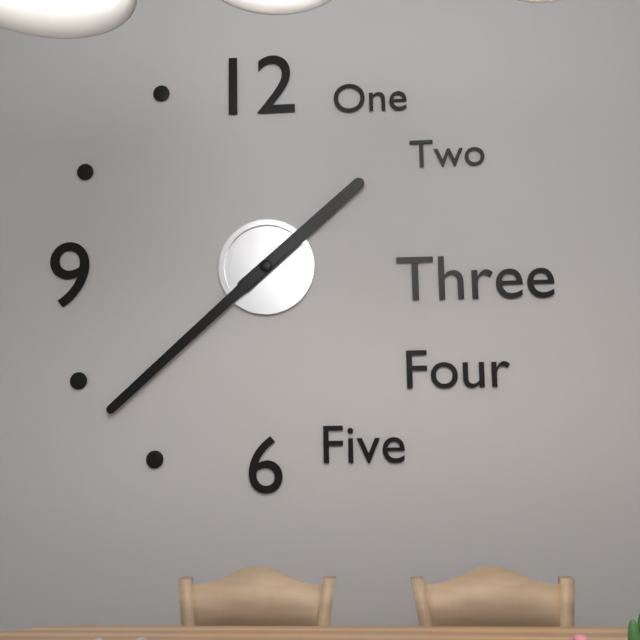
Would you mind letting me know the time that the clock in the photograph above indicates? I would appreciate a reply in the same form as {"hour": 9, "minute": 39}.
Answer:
{"hour": 1, "minute": 38}
